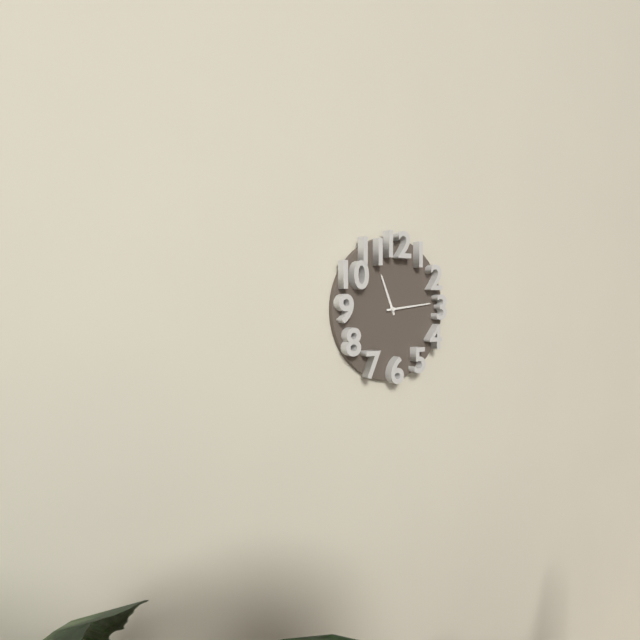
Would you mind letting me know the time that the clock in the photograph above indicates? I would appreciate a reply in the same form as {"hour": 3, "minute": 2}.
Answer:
{"hour": 11, "minute": 14}
